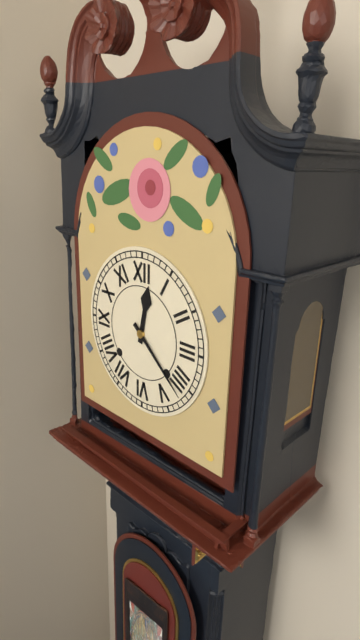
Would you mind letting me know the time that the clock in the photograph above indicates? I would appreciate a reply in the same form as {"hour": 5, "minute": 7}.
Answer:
{"hour": 12, "minute": 22}
